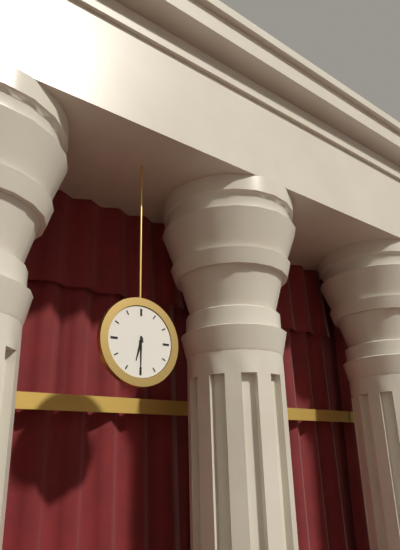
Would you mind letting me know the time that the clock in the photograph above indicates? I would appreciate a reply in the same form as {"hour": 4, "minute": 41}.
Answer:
{"hour": 6, "minute": 30}
